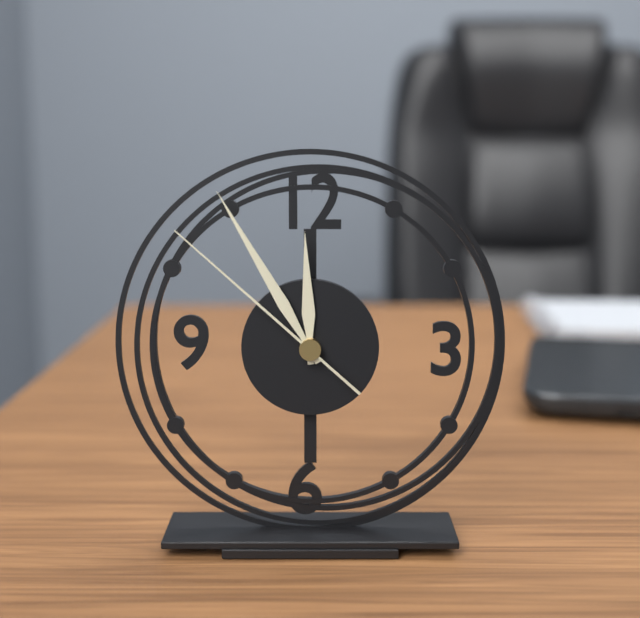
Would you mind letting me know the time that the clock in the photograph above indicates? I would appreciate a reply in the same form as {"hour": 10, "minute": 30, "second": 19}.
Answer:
{"hour": 11, "minute": 55, "second": 52}
